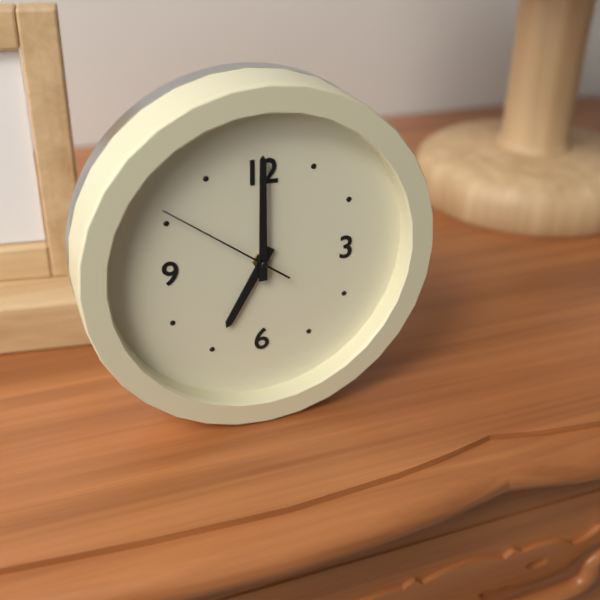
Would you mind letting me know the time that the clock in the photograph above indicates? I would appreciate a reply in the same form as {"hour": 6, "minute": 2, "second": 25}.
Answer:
{"hour": 7, "minute": 0, "second": 51}
